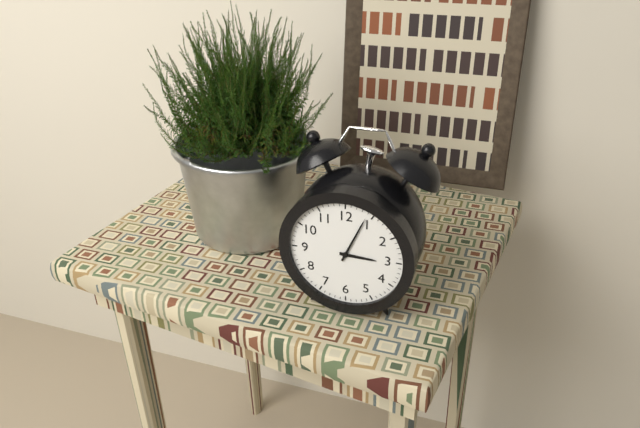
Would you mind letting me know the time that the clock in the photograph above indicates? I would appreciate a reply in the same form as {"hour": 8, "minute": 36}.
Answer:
{"hour": 3, "minute": 4}
